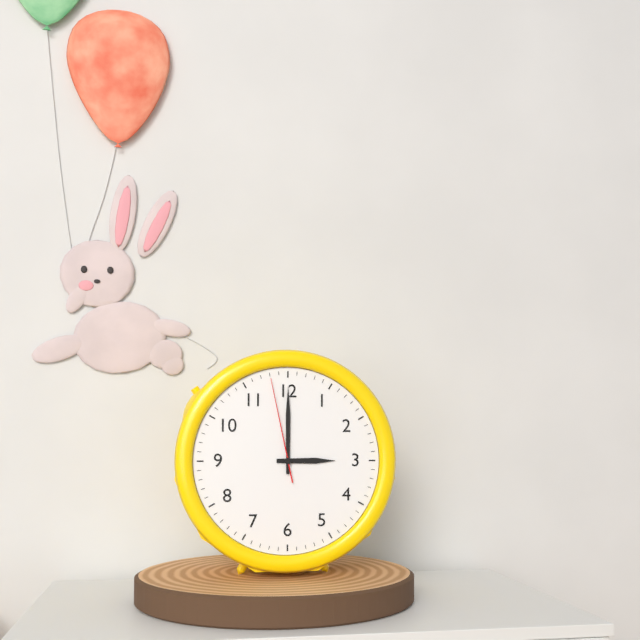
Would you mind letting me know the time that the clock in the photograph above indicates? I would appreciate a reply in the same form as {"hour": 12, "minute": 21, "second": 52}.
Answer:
{"hour": 3, "minute": 0, "second": 58}
